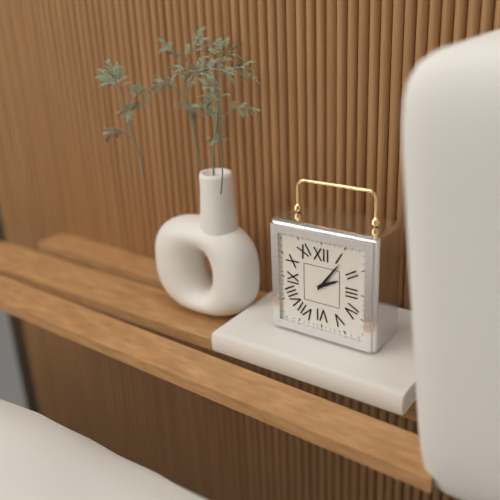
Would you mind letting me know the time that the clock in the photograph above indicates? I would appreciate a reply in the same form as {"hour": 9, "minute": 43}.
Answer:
{"hour": 2, "minute": 6}
